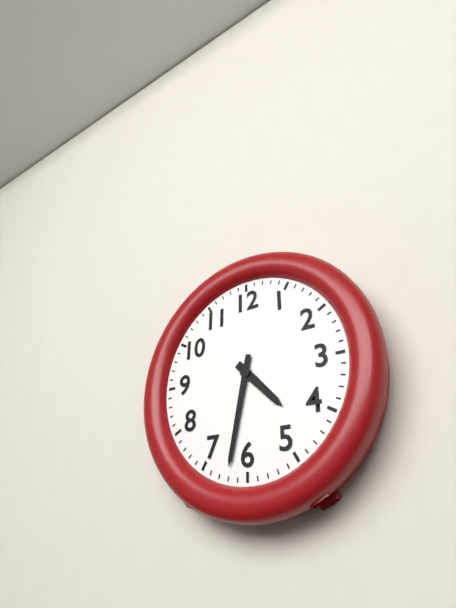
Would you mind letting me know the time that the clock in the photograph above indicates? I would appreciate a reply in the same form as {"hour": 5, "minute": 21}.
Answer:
{"hour": 4, "minute": 32}
